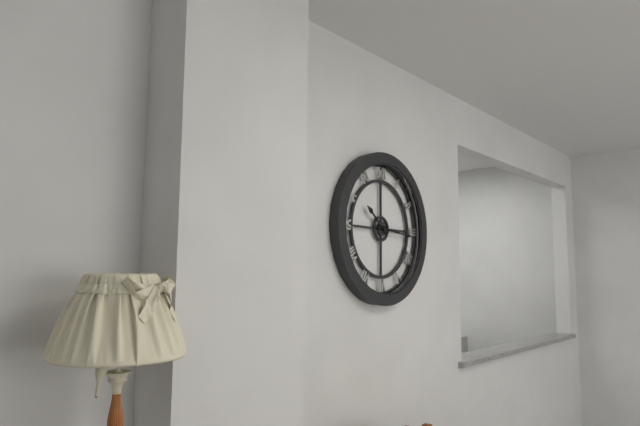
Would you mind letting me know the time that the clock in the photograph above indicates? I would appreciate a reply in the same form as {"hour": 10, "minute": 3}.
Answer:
{"hour": 10, "minute": 16}
